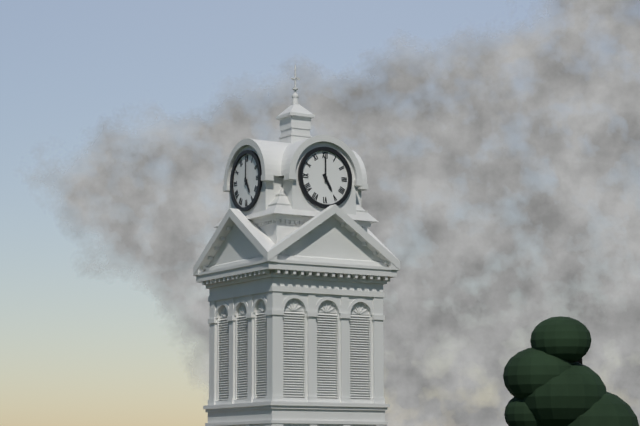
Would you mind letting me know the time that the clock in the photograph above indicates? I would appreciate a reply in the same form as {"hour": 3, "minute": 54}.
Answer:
{"hour": 5, "minute": 0}
